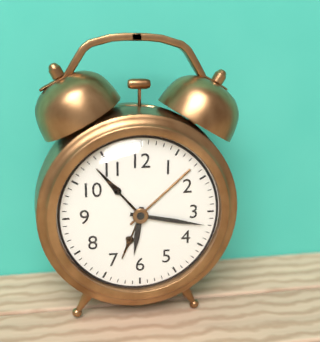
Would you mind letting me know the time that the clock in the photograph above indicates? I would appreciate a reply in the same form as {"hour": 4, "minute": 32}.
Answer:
{"hour": 6, "minute": 17}
